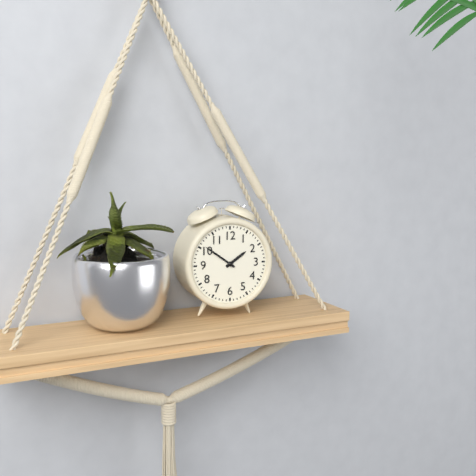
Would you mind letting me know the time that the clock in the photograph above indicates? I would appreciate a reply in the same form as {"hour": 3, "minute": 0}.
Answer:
{"hour": 1, "minute": 51}
